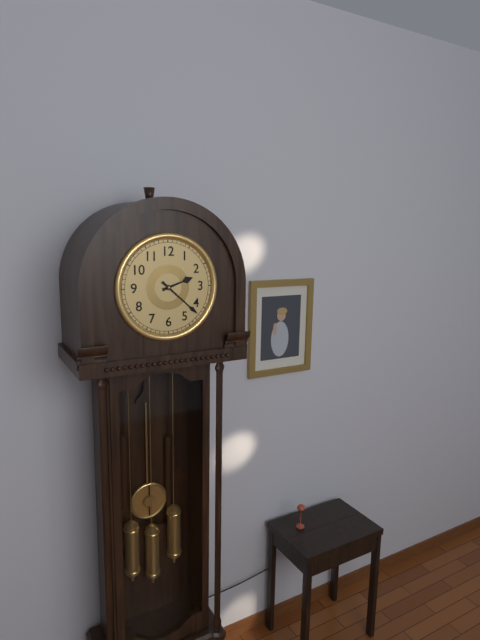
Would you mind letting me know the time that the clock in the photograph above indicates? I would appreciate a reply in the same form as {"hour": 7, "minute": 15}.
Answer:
{"hour": 2, "minute": 22}
